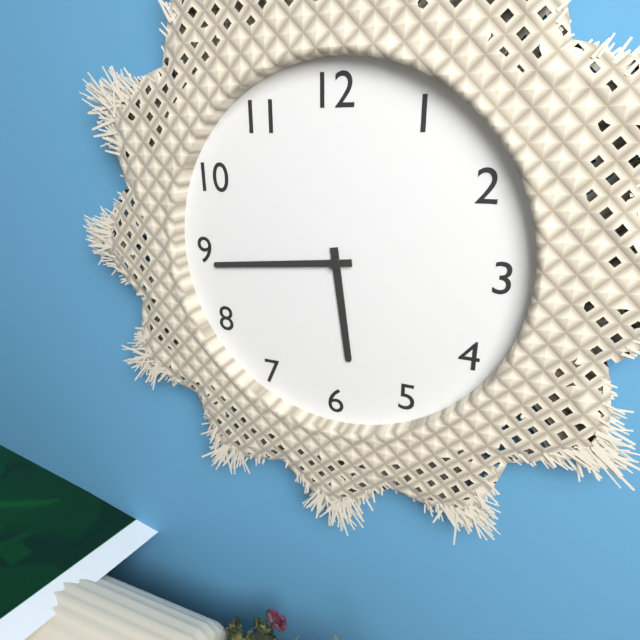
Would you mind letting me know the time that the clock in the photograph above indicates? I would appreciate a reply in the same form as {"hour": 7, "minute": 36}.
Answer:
{"hour": 5, "minute": 44}
